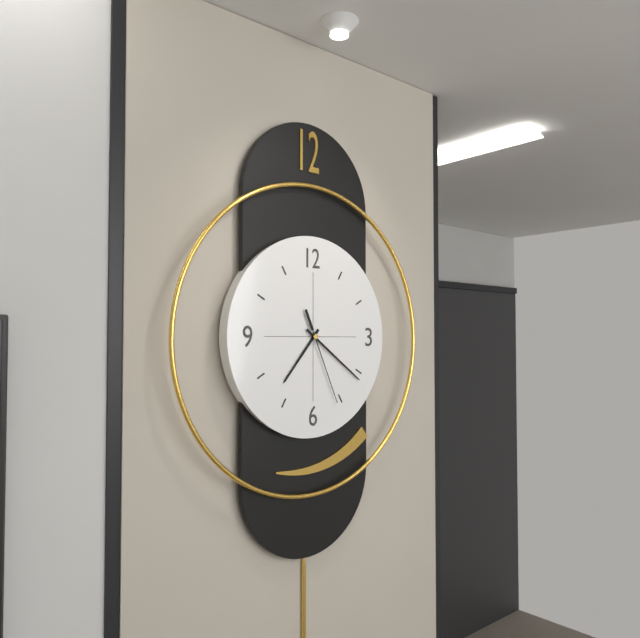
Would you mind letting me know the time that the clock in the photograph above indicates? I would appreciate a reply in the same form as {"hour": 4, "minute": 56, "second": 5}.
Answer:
{"hour": 7, "minute": 21, "second": 26}
